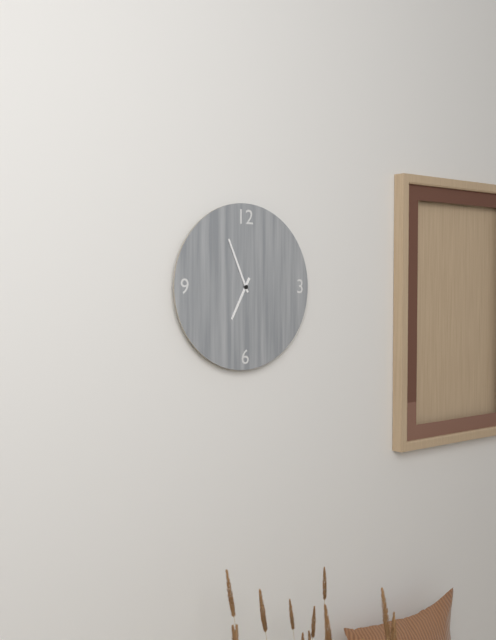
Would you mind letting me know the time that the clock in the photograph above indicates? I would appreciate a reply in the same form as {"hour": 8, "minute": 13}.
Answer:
{"hour": 6, "minute": 56}
